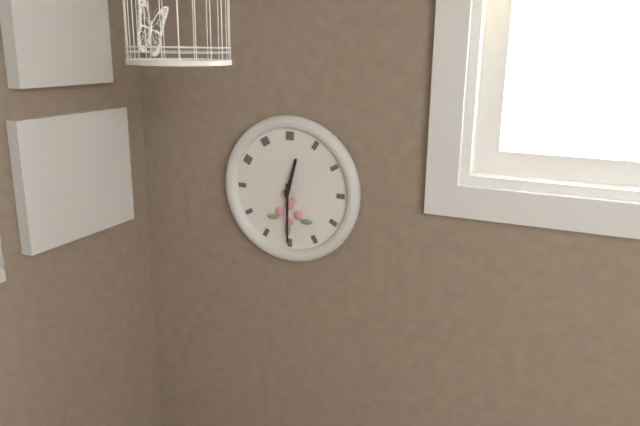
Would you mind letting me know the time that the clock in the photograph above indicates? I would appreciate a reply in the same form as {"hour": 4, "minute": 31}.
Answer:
{"hour": 12, "minute": 30}
